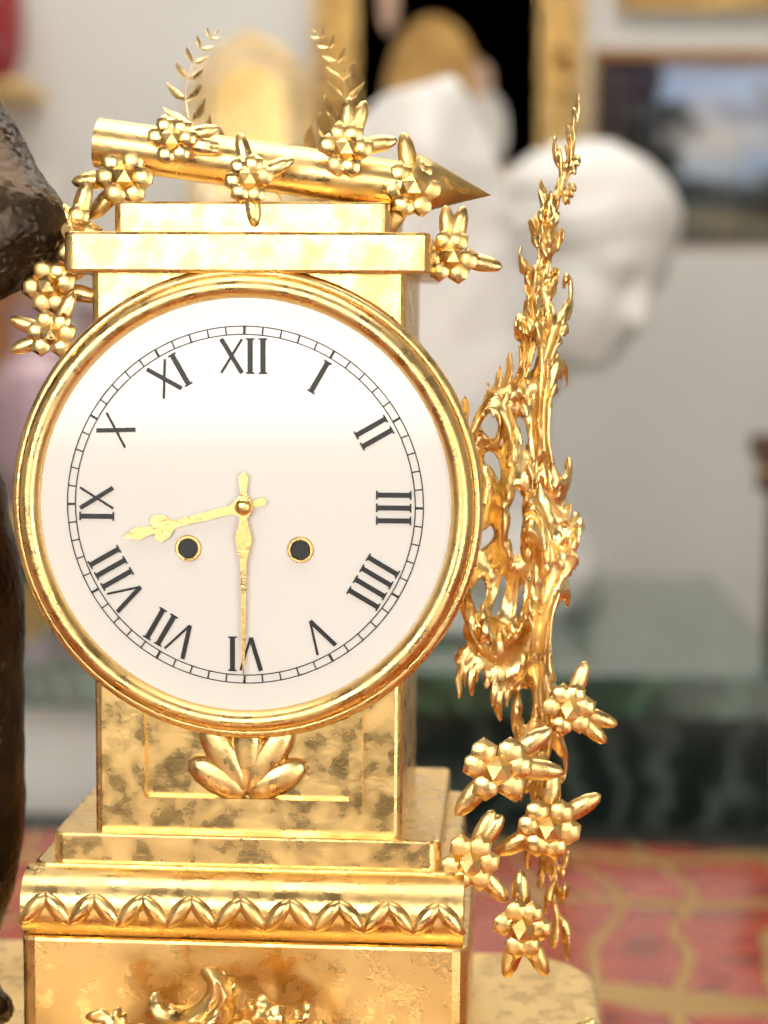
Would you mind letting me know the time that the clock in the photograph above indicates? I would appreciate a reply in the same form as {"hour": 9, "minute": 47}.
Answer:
{"hour": 8, "minute": 30}
